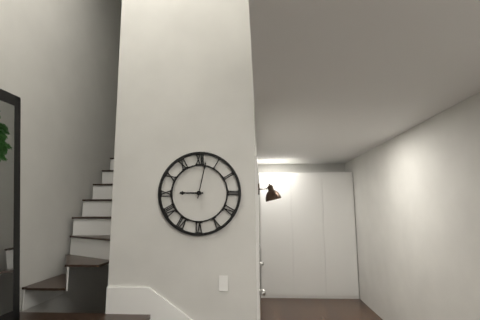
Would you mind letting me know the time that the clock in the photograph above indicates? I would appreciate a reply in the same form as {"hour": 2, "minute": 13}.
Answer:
{"hour": 9, "minute": 2}
